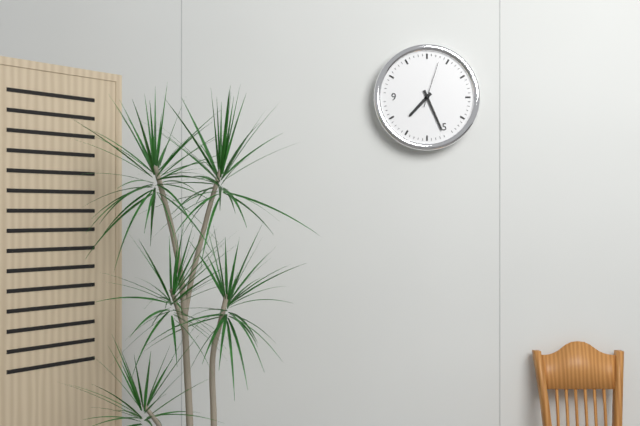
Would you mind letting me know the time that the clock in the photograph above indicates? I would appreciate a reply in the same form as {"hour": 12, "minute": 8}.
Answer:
{"hour": 7, "minute": 26}
